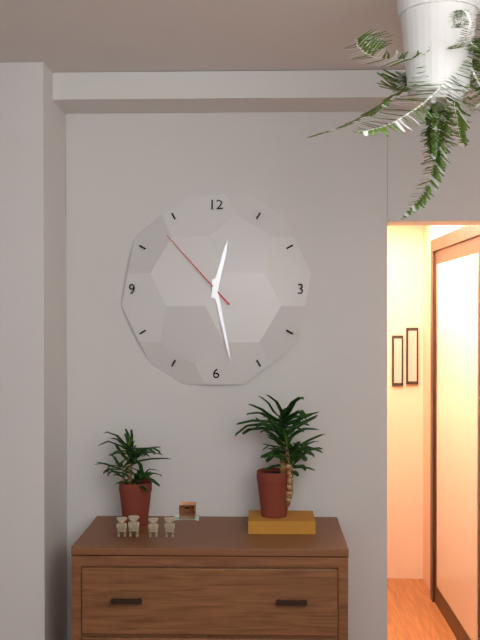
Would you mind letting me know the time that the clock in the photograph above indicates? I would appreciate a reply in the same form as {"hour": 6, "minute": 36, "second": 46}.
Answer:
{"hour": 12, "minute": 28, "second": 53}
